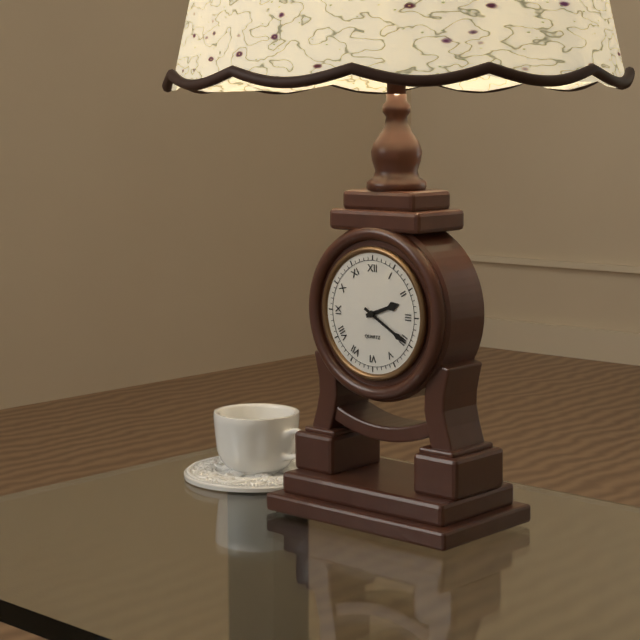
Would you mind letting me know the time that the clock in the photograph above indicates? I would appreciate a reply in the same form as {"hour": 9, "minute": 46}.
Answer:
{"hour": 2, "minute": 20}
